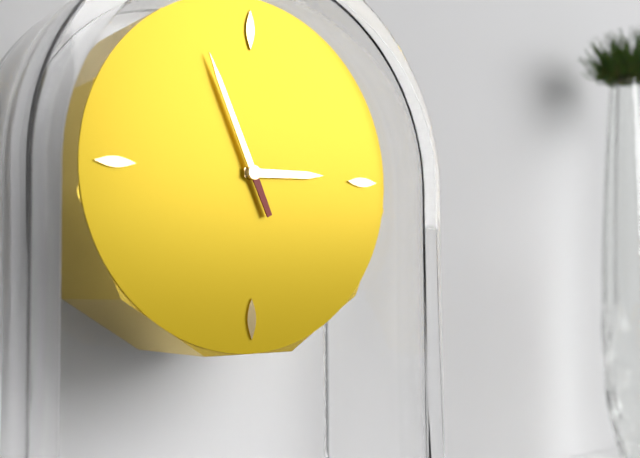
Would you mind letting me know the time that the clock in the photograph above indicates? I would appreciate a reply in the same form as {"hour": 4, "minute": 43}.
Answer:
{"hour": 2, "minute": 56}
